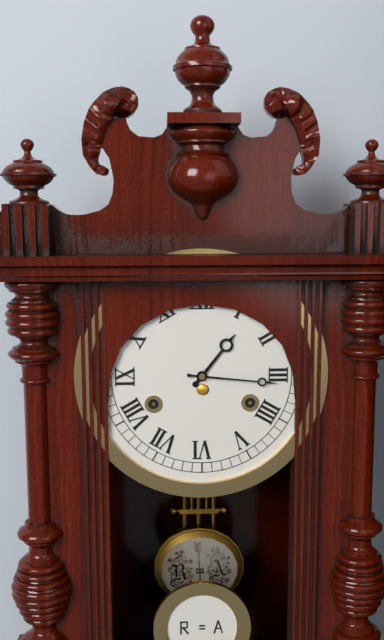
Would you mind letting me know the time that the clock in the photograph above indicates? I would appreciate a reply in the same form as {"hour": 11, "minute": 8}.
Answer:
{"hour": 1, "minute": 16}
